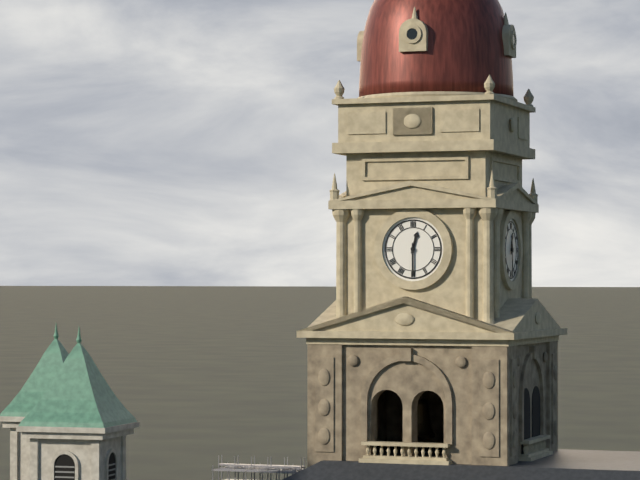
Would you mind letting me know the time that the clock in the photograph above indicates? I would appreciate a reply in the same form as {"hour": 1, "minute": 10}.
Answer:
{"hour": 12, "minute": 30}
